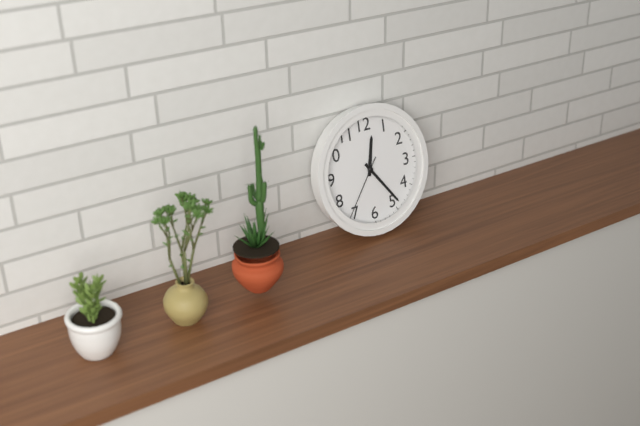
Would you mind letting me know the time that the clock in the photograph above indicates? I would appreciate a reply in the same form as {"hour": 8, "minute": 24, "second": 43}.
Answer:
{"hour": 12, "minute": 24, "second": 36}
